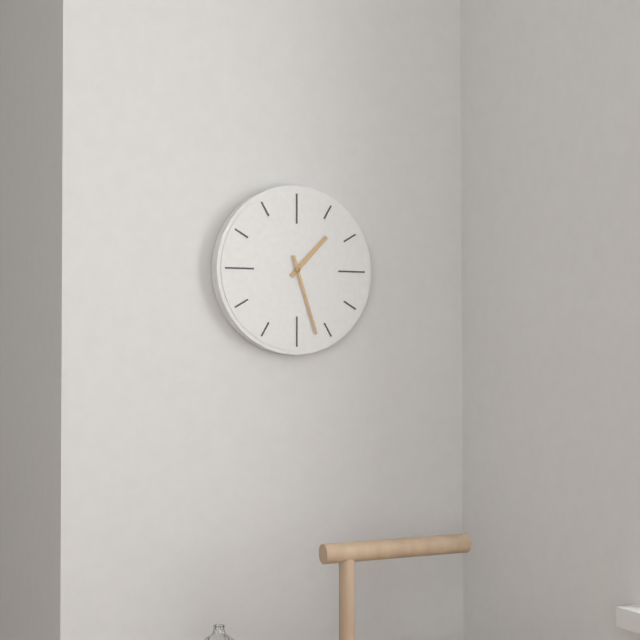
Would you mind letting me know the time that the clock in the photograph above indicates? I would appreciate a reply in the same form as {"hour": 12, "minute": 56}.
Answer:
{"hour": 1, "minute": 27}
